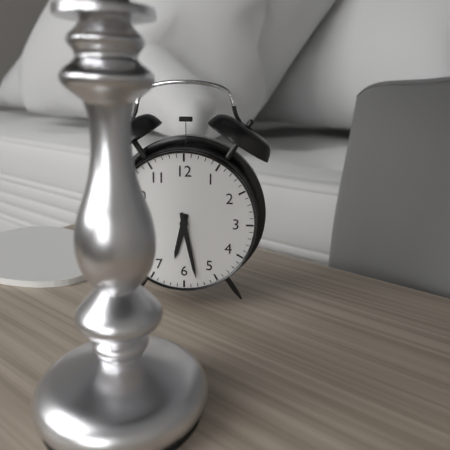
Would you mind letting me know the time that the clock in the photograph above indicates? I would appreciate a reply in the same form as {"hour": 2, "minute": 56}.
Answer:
{"hour": 6, "minute": 28}
